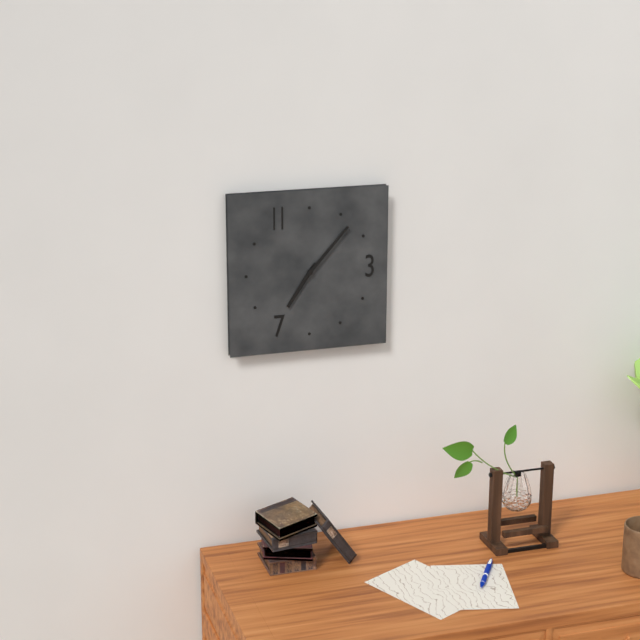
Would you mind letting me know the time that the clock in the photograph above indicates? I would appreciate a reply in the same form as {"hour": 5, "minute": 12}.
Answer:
{"hour": 7, "minute": 7}
